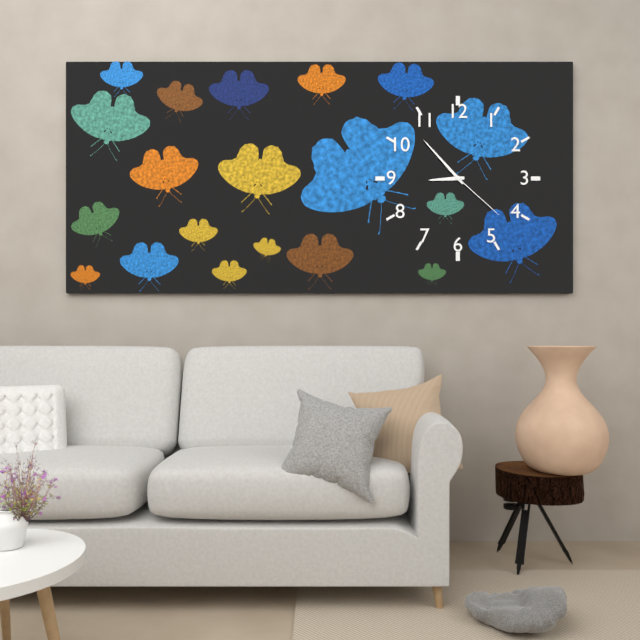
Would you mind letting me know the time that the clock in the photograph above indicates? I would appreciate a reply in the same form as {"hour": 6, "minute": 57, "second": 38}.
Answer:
{"hour": 8, "minute": 53, "second": 22}
